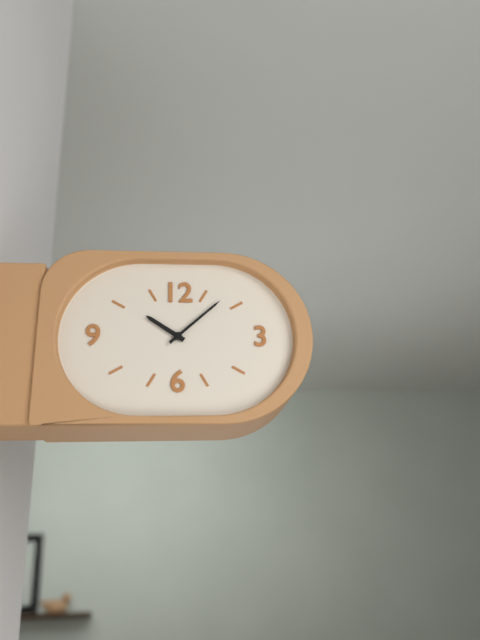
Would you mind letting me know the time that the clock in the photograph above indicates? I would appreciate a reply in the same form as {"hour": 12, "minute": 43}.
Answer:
{"hour": 10, "minute": 8}
